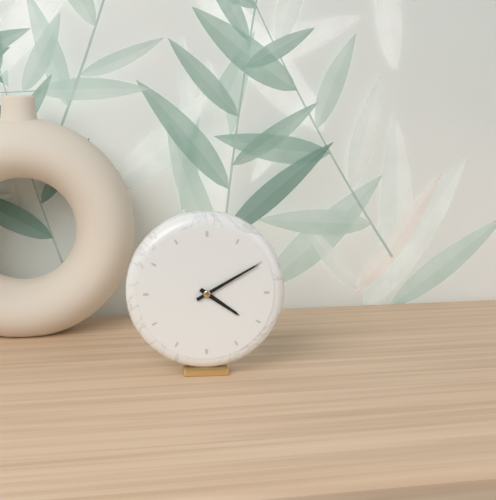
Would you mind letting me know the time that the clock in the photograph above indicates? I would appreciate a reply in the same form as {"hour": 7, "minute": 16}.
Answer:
{"hour": 4, "minute": 10}
